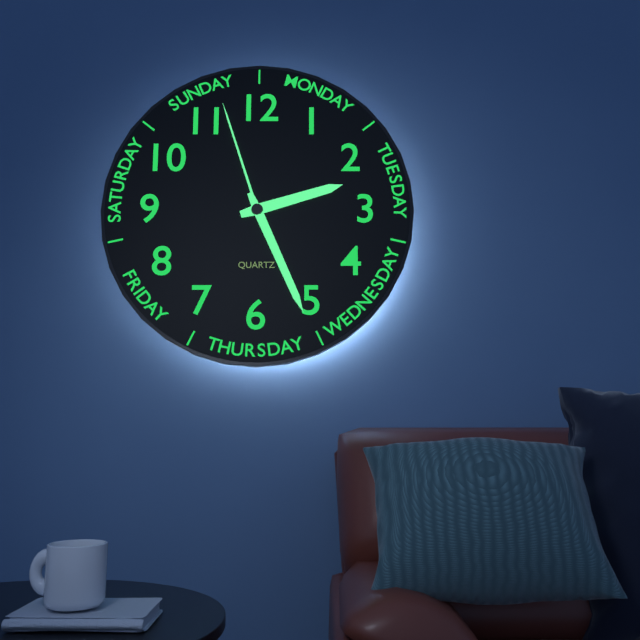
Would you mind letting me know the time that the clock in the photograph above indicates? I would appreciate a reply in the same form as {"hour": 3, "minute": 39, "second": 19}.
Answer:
{"hour": 2, "minute": 26, "second": 57}
